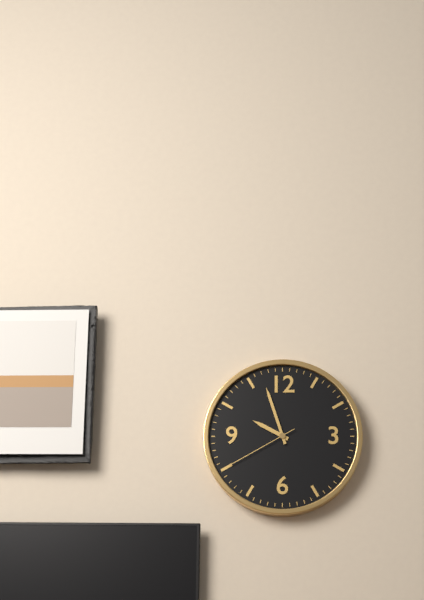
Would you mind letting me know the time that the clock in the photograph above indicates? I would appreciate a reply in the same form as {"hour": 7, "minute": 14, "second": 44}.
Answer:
{"hour": 9, "minute": 57, "second": 40}
